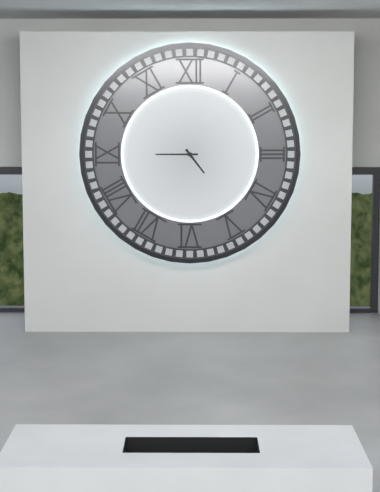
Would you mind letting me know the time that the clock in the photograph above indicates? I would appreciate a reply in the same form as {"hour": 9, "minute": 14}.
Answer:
{"hour": 4, "minute": 45}
